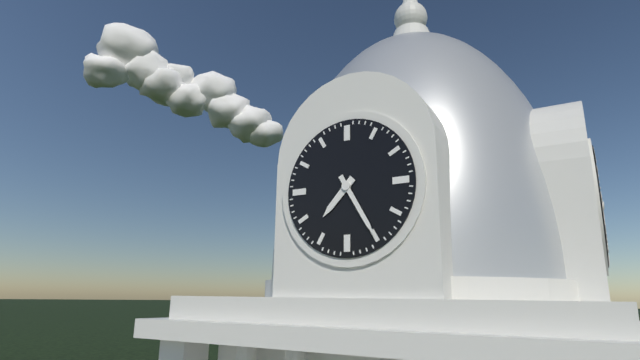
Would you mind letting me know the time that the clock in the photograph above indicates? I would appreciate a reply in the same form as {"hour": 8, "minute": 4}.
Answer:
{"hour": 7, "minute": 25}
